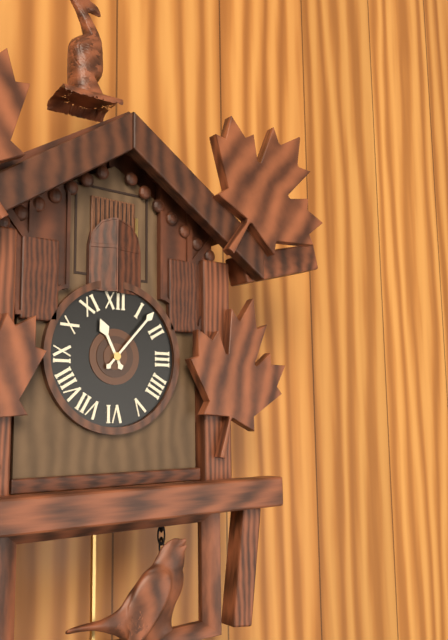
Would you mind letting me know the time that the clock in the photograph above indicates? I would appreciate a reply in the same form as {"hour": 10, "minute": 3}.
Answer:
{"hour": 11, "minute": 7}
